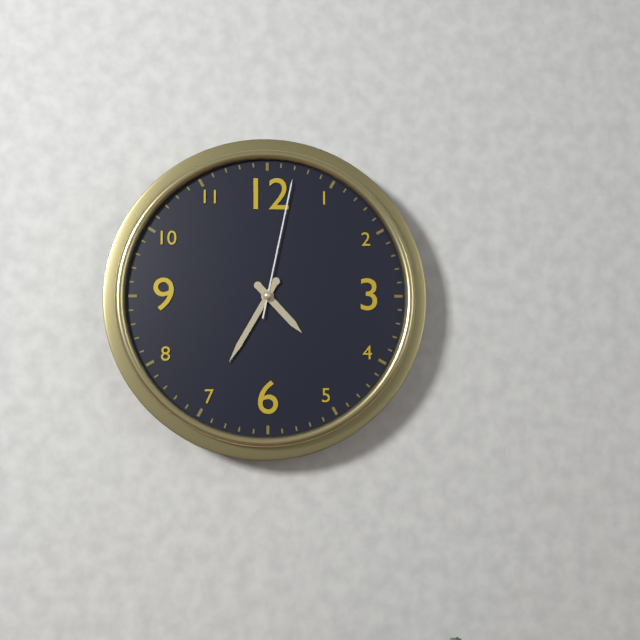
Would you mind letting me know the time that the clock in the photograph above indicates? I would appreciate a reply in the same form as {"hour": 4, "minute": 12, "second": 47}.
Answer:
{"hour": 4, "minute": 35, "second": 2}
